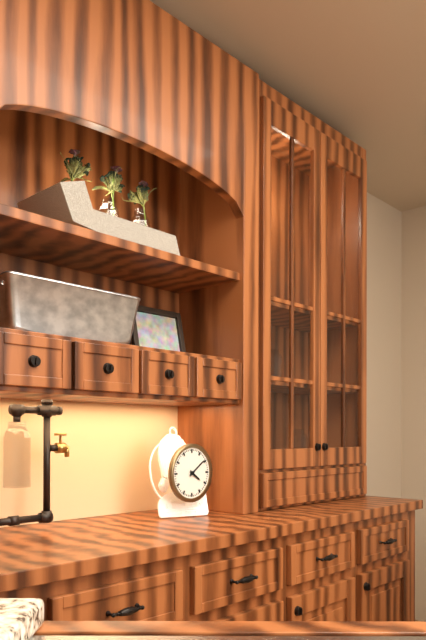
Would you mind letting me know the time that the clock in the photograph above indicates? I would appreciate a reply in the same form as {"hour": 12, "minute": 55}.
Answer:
{"hour": 4, "minute": 9}
